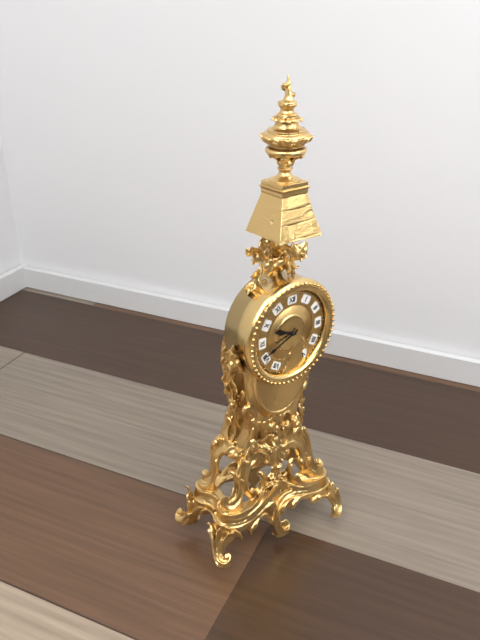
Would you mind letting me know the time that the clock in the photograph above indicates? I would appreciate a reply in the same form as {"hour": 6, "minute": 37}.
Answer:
{"hour": 9, "minute": 41}
